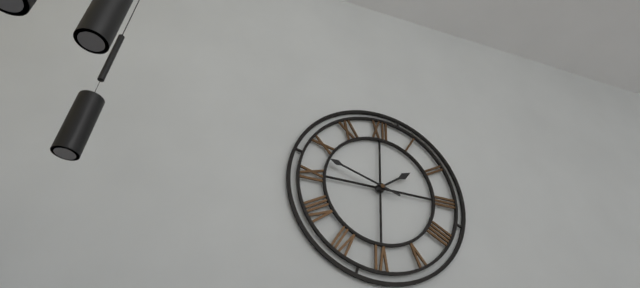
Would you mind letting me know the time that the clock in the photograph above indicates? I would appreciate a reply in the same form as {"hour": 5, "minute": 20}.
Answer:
{"hour": 1, "minute": 48}
